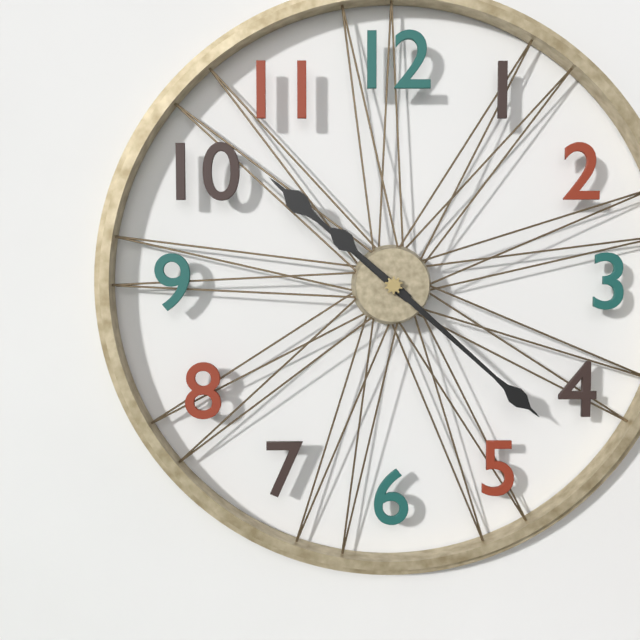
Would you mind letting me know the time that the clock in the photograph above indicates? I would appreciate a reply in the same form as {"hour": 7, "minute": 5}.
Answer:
{"hour": 10, "minute": 22}
